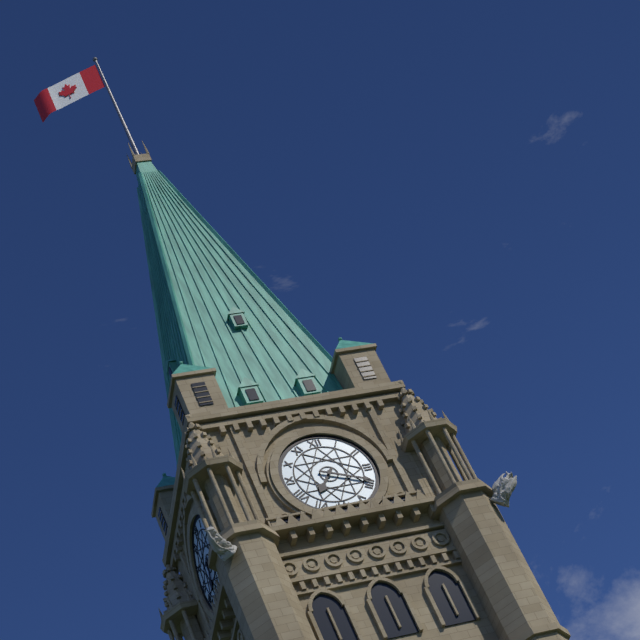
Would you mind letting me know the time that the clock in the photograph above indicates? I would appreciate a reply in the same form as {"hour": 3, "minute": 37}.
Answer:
{"hour": 7, "minute": 19}
